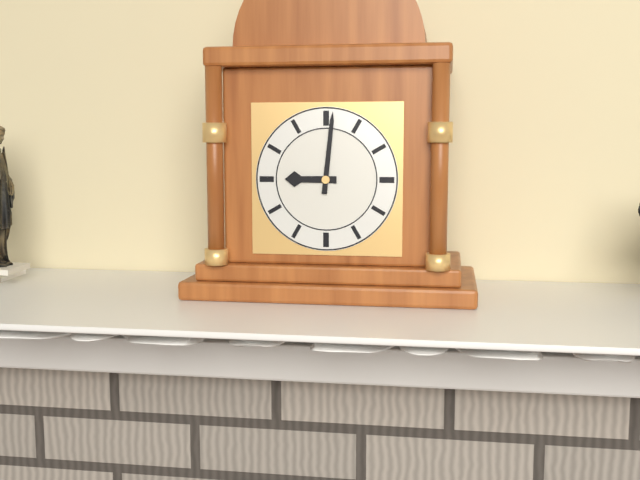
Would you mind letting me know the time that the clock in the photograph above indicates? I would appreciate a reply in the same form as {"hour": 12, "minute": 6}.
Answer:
{"hour": 9, "minute": 1}
